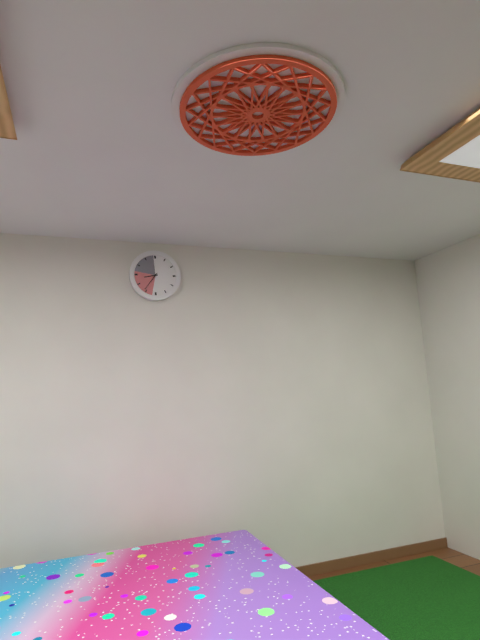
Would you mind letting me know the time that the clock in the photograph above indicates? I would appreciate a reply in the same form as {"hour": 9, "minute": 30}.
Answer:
{"hour": 8, "minute": 36}
